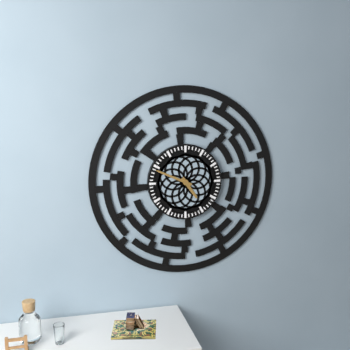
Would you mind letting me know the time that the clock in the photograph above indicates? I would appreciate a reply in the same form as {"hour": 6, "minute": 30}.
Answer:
{"hour": 4, "minute": 49}
